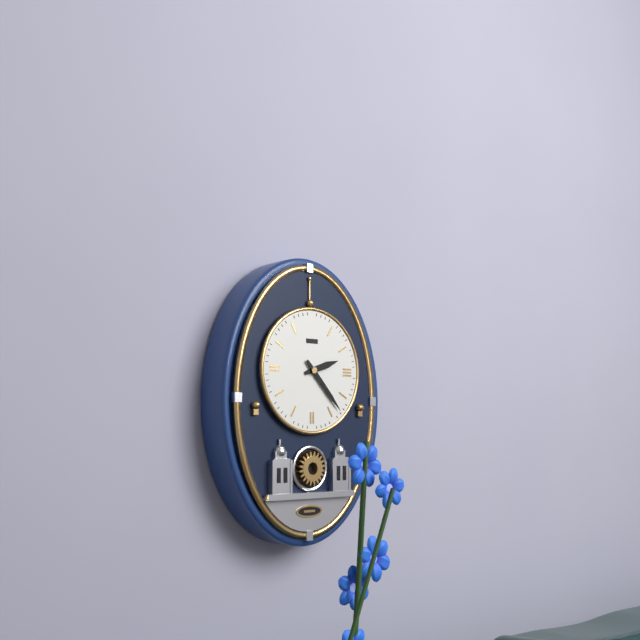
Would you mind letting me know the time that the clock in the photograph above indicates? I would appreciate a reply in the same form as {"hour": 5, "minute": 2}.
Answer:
{"hour": 2, "minute": 23}
